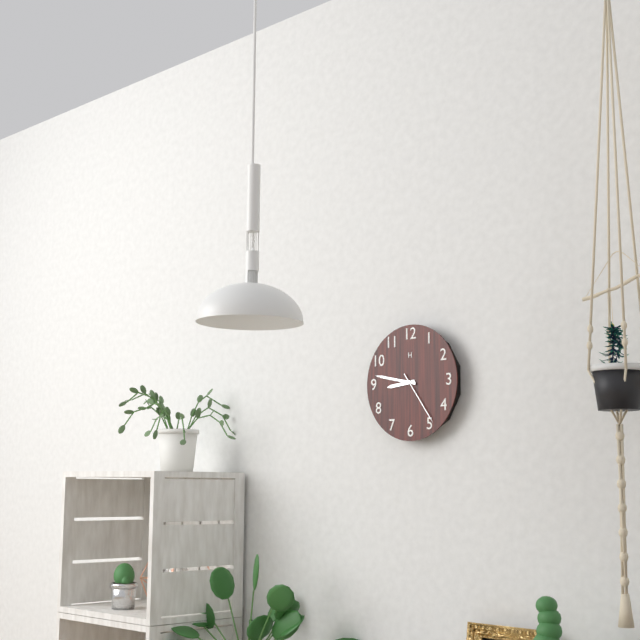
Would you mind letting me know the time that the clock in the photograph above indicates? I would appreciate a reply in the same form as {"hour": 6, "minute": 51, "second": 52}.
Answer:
{"hour": 8, "minute": 47, "second": 24}
